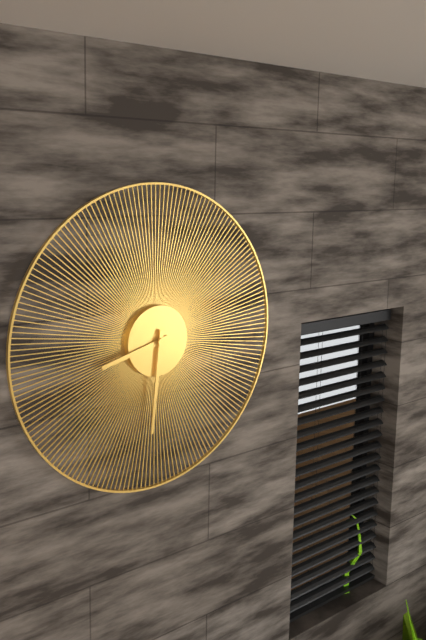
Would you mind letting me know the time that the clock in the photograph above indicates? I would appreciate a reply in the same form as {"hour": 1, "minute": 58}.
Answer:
{"hour": 8, "minute": 31}
